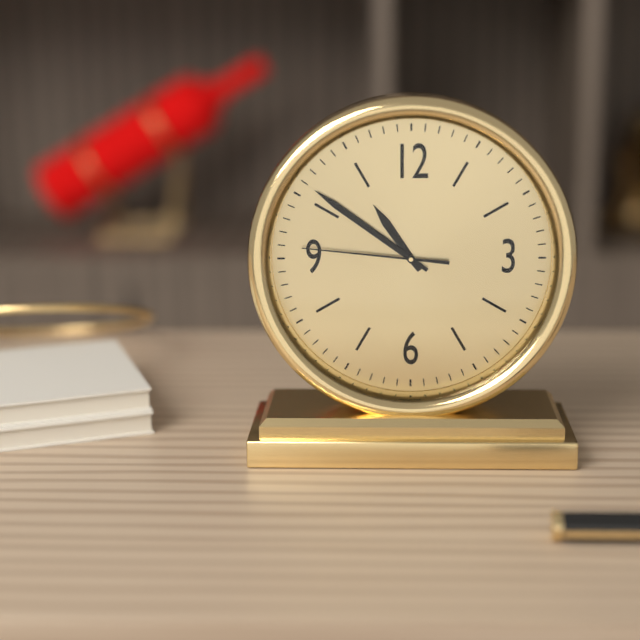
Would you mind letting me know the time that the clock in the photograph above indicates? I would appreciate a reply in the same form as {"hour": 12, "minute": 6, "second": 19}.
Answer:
{"hour": 10, "minute": 51, "second": 46}
